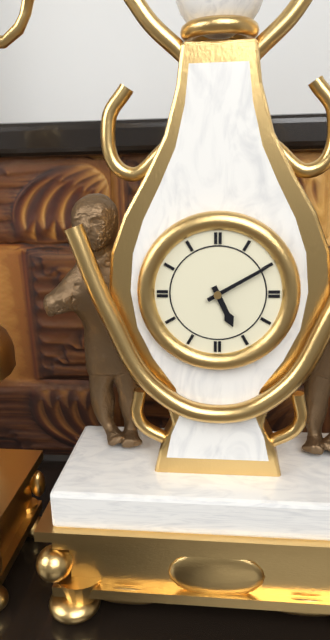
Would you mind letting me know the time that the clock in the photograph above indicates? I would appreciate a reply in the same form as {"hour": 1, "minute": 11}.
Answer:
{"hour": 5, "minute": 10}
